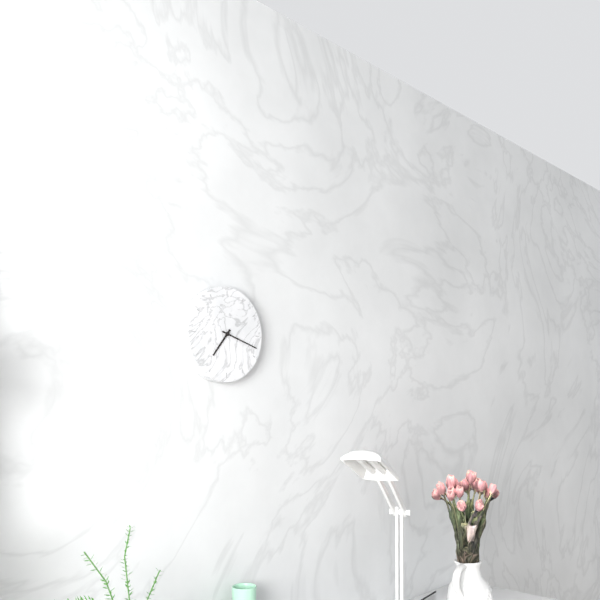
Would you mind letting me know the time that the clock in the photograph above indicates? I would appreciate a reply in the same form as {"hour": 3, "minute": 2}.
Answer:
{"hour": 7, "minute": 18}
